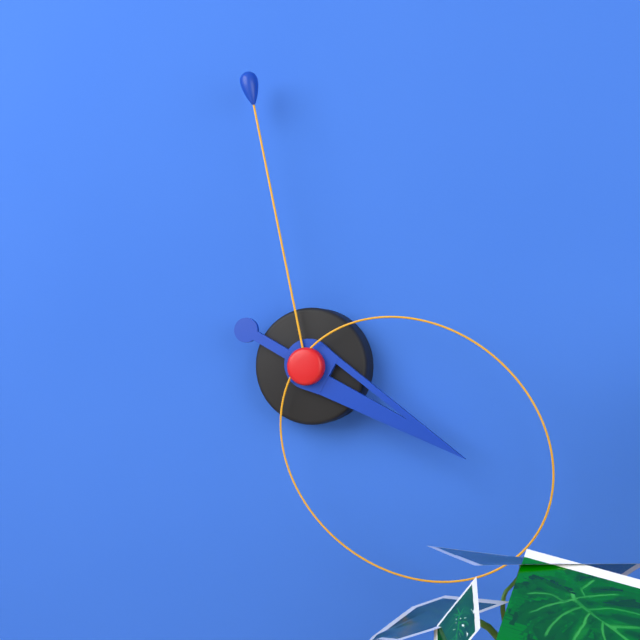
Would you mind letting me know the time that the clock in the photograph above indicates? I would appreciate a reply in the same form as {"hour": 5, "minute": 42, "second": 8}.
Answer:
{"hour": 3, "minute": 58, "second": 21}
